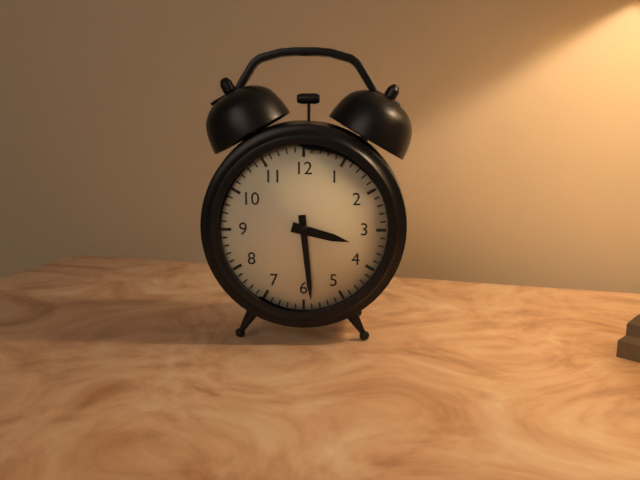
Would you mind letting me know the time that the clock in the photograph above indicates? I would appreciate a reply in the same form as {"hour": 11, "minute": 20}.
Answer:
{"hour": 3, "minute": 29}
